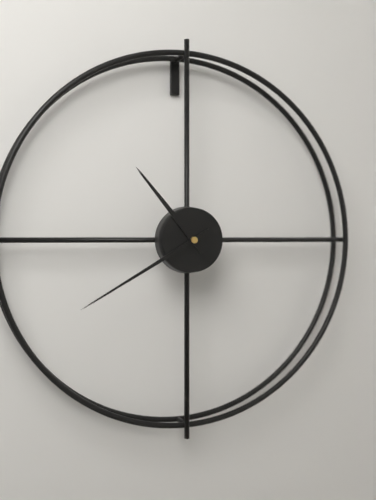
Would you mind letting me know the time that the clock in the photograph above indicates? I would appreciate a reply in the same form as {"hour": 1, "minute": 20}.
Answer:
{"hour": 10, "minute": 40}
